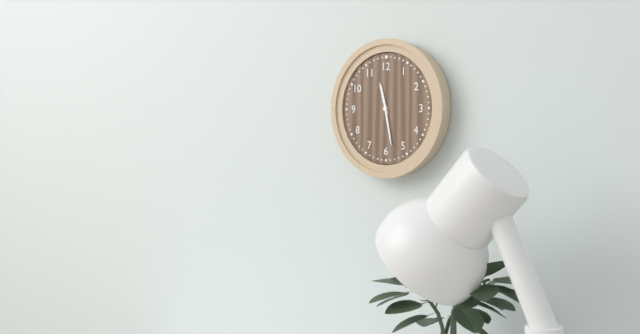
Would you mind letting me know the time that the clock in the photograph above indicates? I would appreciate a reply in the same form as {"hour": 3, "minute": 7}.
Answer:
{"hour": 11, "minute": 28}
